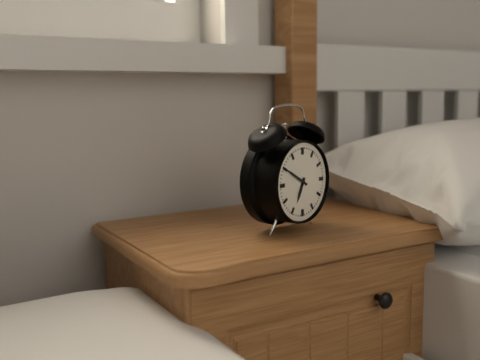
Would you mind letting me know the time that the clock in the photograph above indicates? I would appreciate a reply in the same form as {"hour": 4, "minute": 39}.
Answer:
{"hour": 6, "minute": 50}
